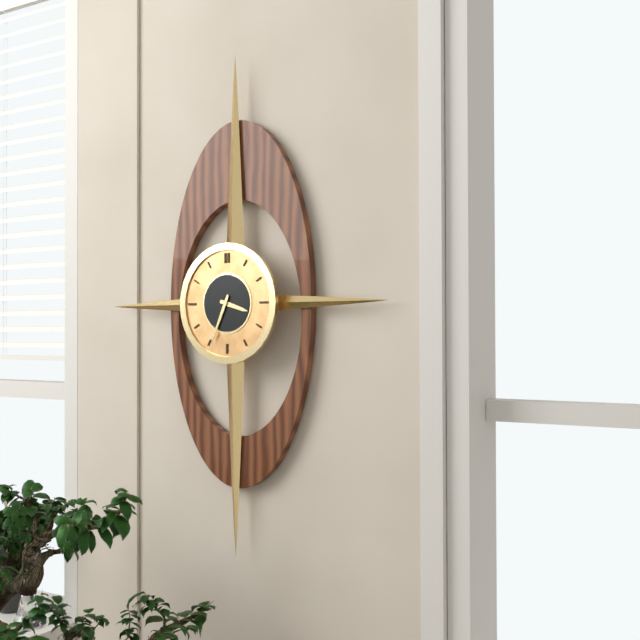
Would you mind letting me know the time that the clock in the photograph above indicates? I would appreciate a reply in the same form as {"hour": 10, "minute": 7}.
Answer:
{"hour": 3, "minute": 34}
